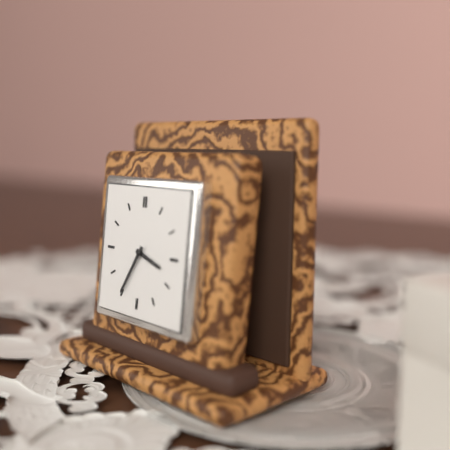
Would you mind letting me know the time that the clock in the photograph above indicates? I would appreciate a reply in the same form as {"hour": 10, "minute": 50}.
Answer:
{"hour": 3, "minute": 35}
